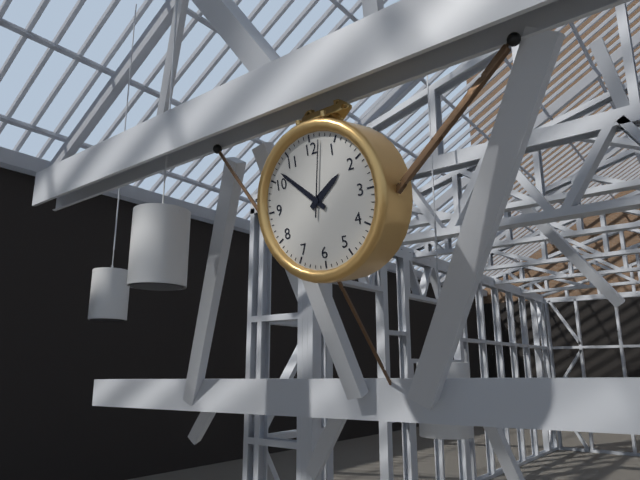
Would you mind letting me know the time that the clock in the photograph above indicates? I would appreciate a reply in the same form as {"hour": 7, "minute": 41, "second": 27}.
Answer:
{"hour": 1, "minute": 52, "second": 2}
